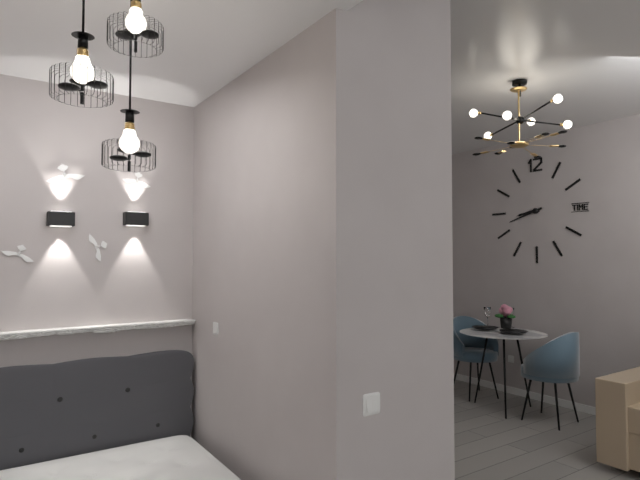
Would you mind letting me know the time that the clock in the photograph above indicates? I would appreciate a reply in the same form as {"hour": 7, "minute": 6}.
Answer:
{"hour": 8, "minute": 42}
